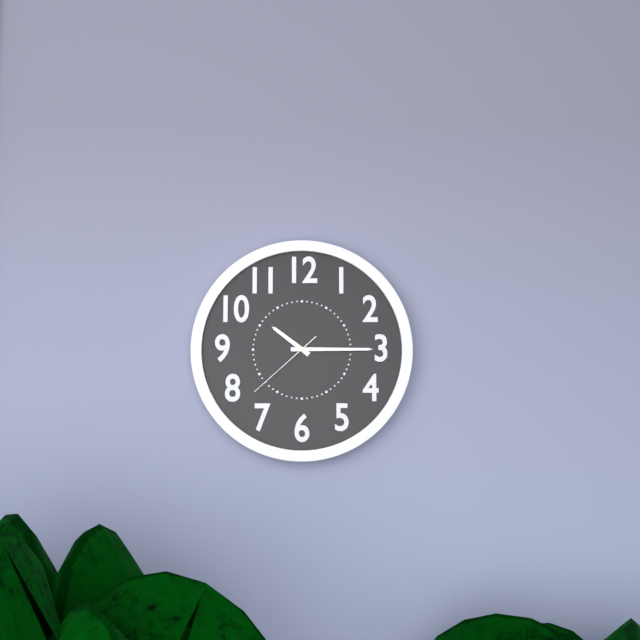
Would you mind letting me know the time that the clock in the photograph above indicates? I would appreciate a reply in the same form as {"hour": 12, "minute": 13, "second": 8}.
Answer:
{"hour": 10, "minute": 15, "second": 38}
